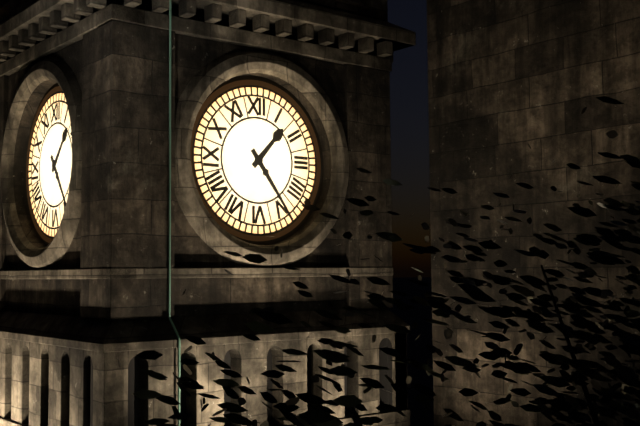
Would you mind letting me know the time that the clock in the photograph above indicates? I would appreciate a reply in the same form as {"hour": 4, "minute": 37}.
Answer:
{"hour": 1, "minute": 24}
